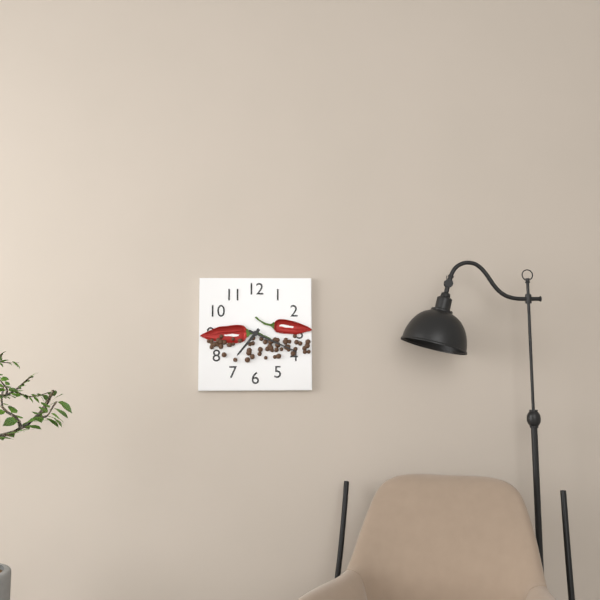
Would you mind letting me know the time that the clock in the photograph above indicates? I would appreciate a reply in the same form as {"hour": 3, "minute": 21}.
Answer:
{"hour": 7, "minute": 19}
